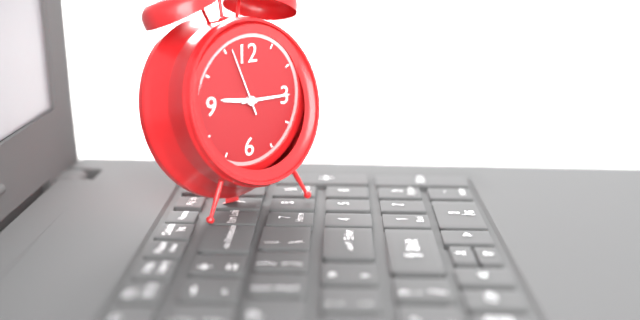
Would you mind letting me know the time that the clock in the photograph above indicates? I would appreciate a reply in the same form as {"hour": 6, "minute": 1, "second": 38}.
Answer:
{"hour": 9, "minute": 15, "second": 56}
